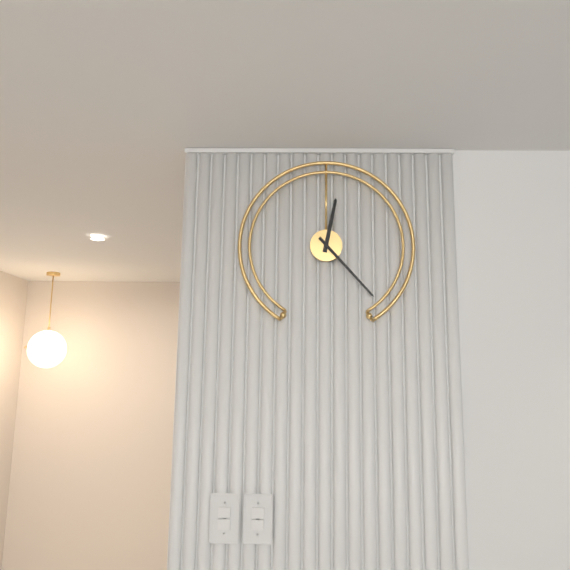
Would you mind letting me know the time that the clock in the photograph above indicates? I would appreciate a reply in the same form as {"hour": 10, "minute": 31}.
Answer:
{"hour": 12, "minute": 23}
